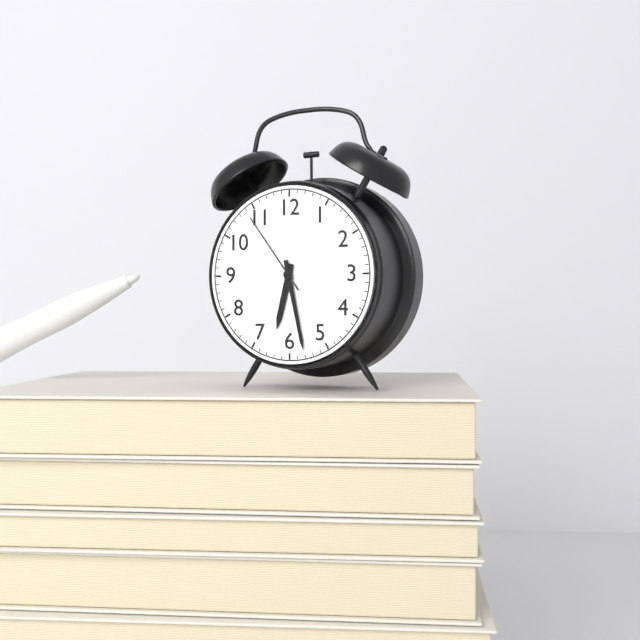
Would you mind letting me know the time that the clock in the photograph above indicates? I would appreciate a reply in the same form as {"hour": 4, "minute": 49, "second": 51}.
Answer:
{"hour": 6, "minute": 28, "second": 54}
